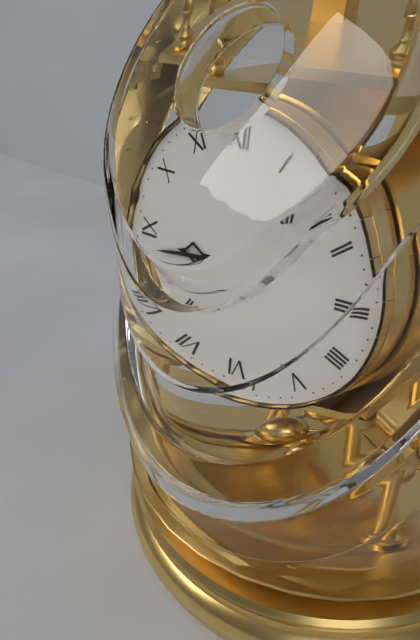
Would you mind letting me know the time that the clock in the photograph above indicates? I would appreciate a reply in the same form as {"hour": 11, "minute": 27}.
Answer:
{"hour": 8, "minute": 43}
